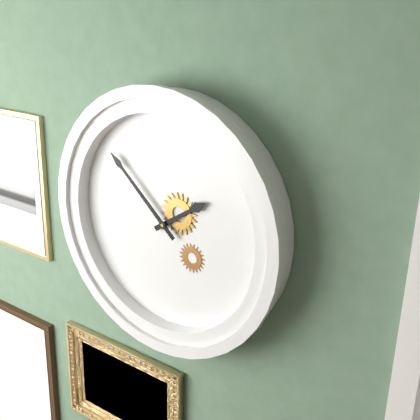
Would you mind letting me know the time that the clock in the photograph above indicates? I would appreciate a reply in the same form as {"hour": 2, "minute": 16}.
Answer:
{"hour": 1, "minute": 52}
